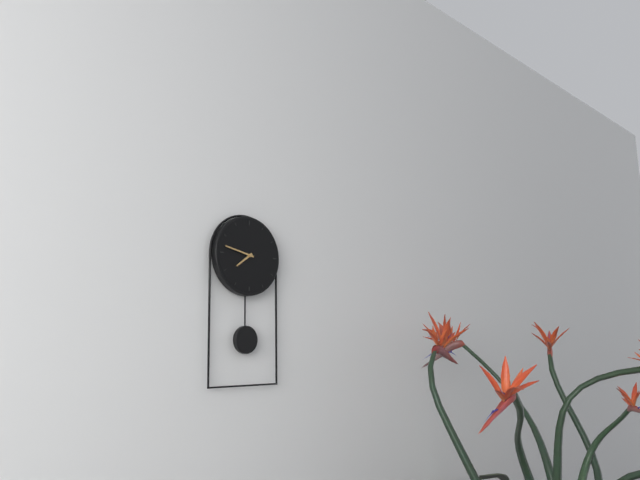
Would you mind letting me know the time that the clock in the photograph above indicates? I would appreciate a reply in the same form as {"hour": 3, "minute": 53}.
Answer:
{"hour": 7, "minute": 47}
